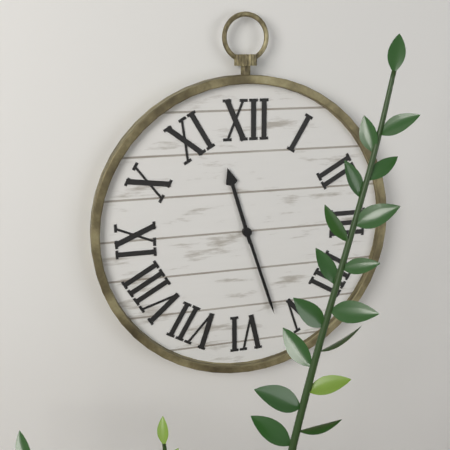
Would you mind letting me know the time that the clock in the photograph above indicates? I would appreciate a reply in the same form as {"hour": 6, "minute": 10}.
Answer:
{"hour": 11, "minute": 27}
